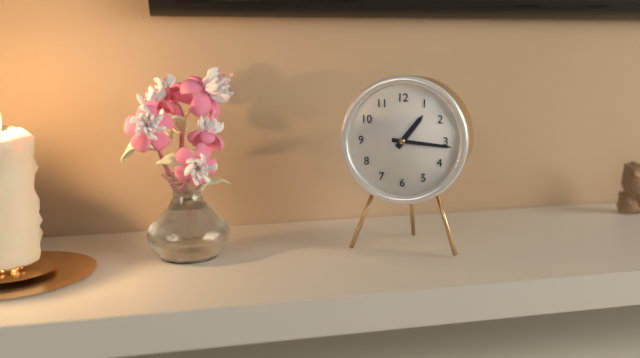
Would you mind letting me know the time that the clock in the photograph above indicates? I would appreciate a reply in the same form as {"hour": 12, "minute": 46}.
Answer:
{"hour": 1, "minute": 16}
